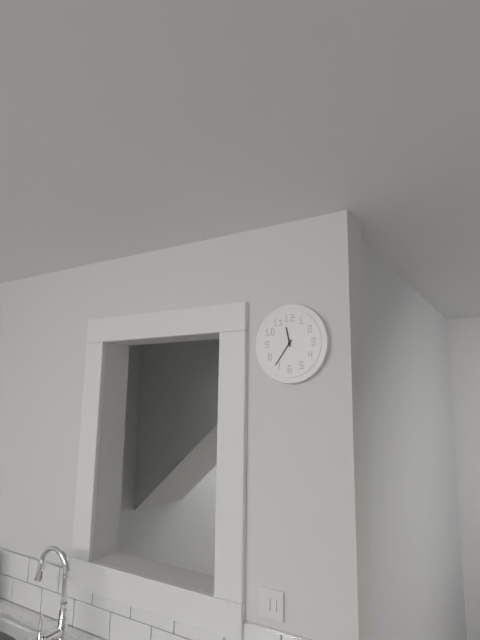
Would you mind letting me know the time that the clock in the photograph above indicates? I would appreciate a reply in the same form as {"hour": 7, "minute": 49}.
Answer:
{"hour": 11, "minute": 36}
